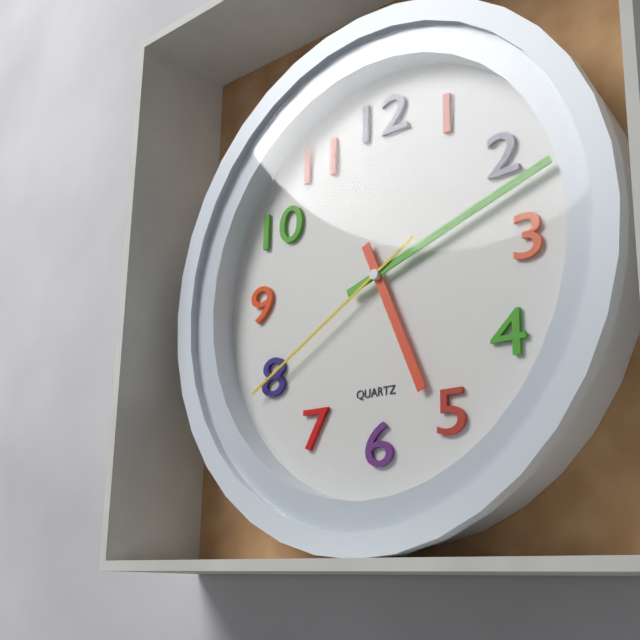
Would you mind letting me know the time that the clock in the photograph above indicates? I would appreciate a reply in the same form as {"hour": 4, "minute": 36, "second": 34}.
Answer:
{"hour": 5, "minute": 12, "second": 40}
